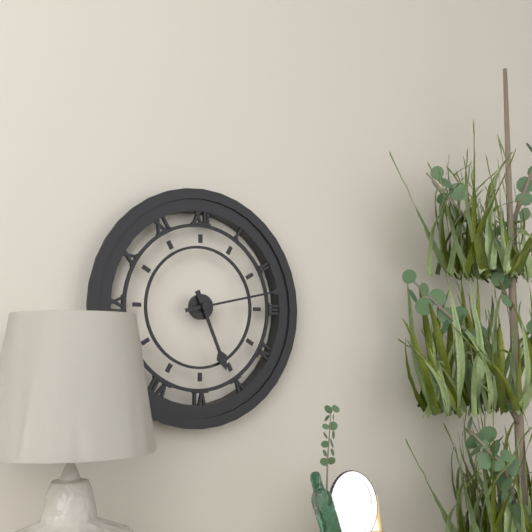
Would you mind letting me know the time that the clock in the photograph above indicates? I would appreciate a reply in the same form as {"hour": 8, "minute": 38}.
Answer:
{"hour": 5, "minute": 13}
